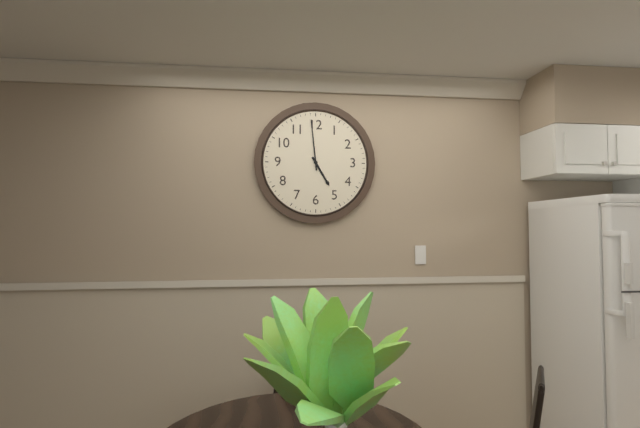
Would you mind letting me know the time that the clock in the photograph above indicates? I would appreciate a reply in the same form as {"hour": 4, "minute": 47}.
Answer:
{"hour": 4, "minute": 59}
